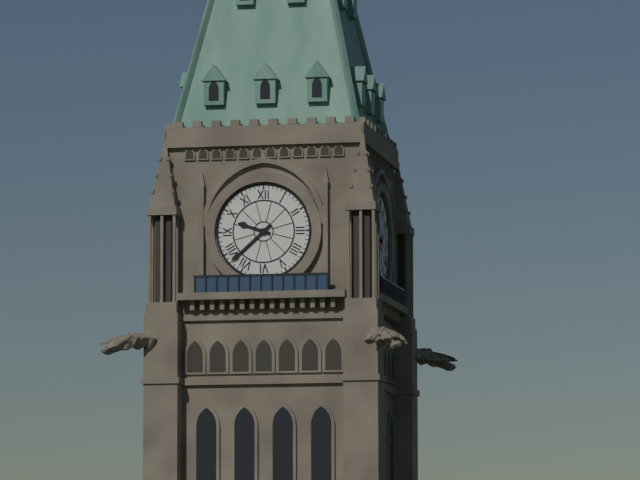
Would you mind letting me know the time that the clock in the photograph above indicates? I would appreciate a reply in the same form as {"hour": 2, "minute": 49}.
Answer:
{"hour": 9, "minute": 38}
